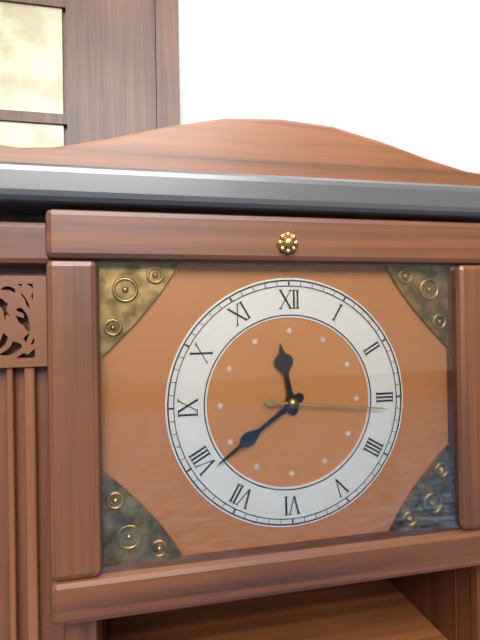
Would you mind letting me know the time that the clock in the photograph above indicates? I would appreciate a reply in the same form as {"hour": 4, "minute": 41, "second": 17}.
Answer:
{"hour": 11, "minute": 39, "second": 16}
